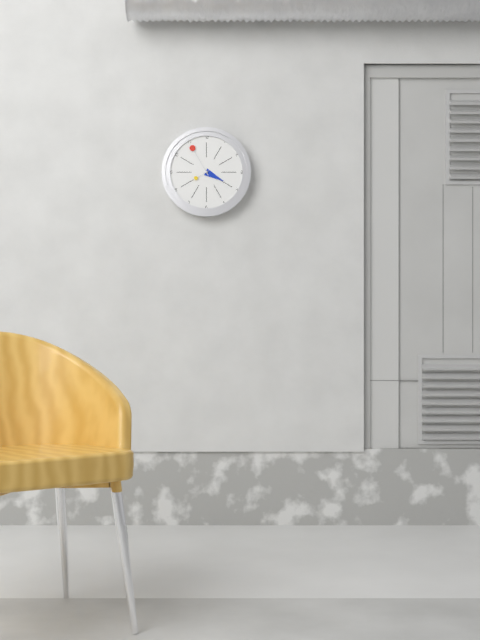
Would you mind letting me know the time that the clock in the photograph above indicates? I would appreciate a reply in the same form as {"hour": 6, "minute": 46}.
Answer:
{"hour": 3, "minute": 55}
